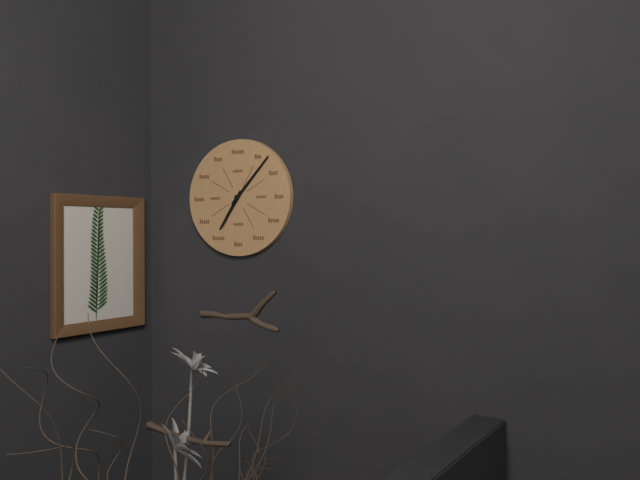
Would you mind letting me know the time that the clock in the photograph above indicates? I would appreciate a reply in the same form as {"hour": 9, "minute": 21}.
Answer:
{"hour": 7, "minute": 7}
